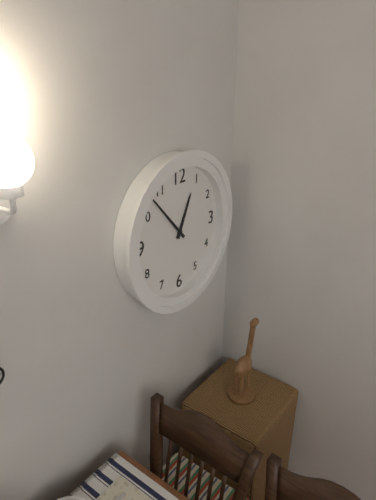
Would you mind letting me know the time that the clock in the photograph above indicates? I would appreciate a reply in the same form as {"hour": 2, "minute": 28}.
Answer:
{"hour": 12, "minute": 53}
